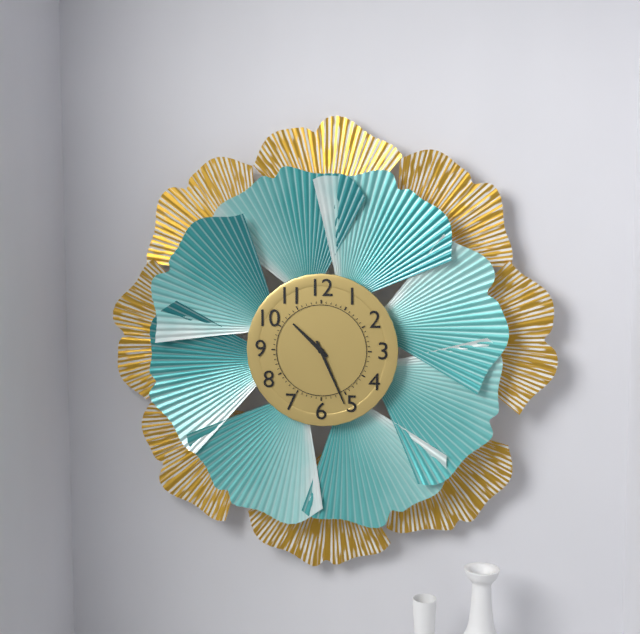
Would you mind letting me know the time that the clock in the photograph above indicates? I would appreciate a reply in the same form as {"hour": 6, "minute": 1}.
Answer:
{"hour": 10, "minute": 26}
